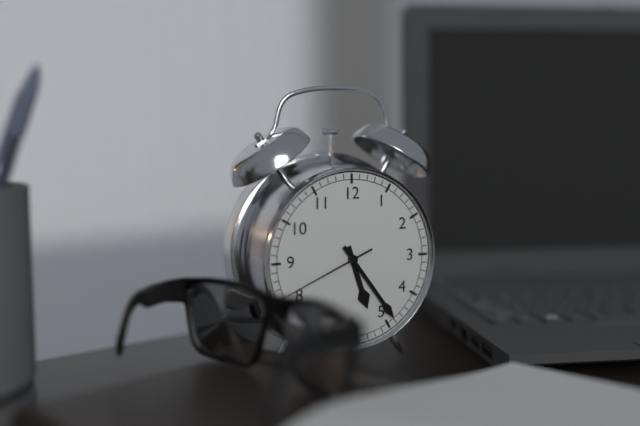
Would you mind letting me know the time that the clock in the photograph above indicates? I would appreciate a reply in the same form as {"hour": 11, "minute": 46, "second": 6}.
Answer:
{"hour": 5, "minute": 24, "second": 41}
